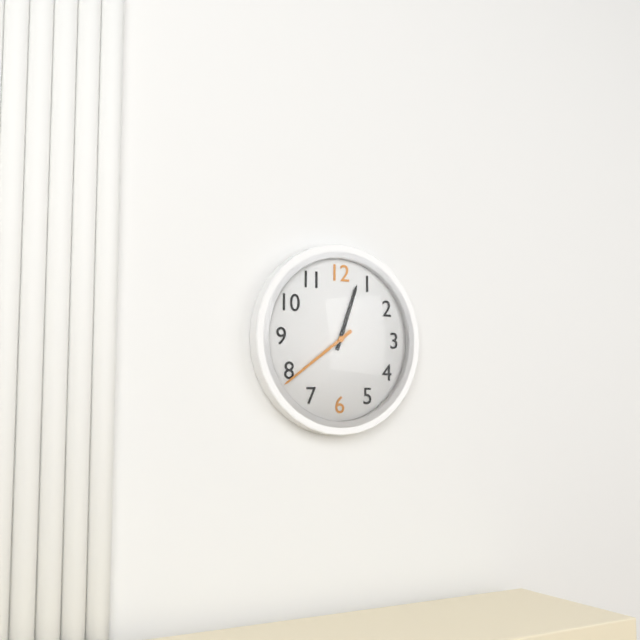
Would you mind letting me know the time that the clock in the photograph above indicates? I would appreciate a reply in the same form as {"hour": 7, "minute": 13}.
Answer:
{"hour": 12, "minute": 39}
